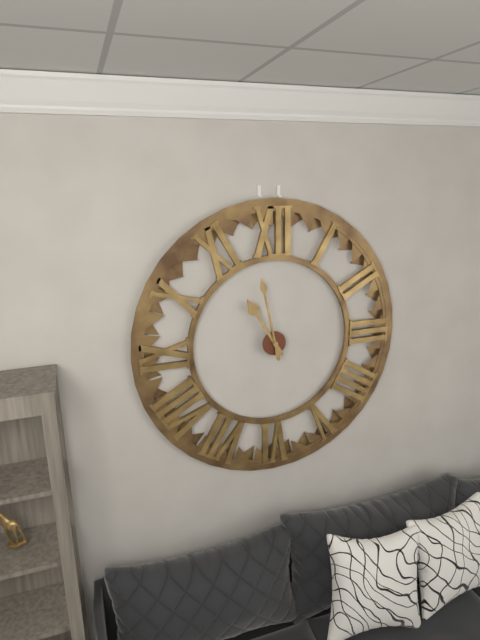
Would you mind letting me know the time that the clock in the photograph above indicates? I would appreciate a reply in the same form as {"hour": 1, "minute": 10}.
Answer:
{"hour": 10, "minute": 58}
